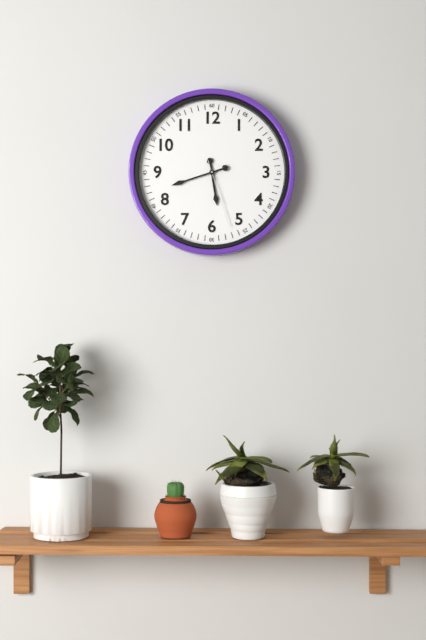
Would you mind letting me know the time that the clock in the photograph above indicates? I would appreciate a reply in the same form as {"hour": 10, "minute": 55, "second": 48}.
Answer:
{"hour": 5, "minute": 42, "second": 27}
